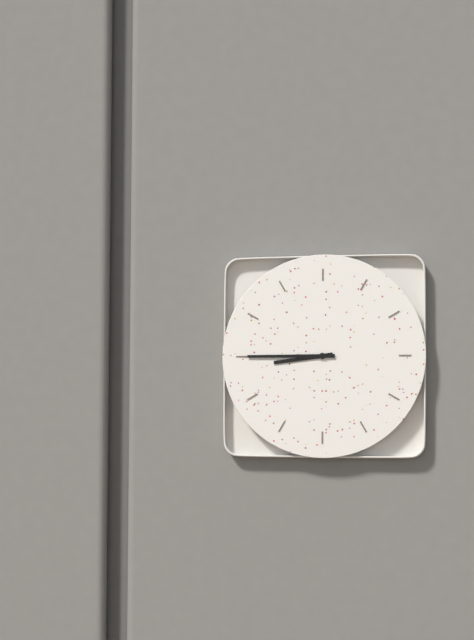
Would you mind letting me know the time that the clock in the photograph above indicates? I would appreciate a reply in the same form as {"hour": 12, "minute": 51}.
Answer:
{"hour": 8, "minute": 45}
